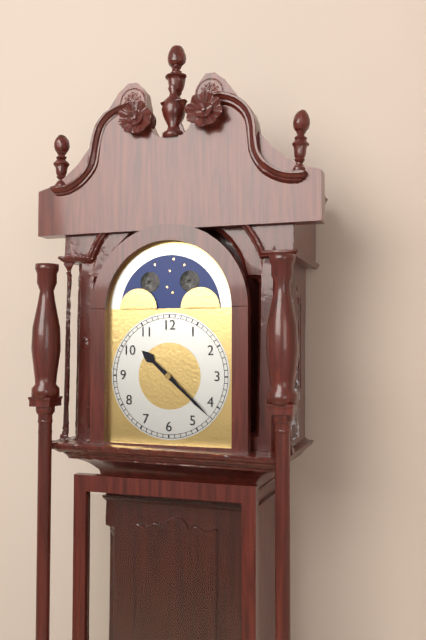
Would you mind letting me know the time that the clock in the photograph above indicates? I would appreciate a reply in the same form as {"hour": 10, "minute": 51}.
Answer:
{"hour": 10, "minute": 22}
